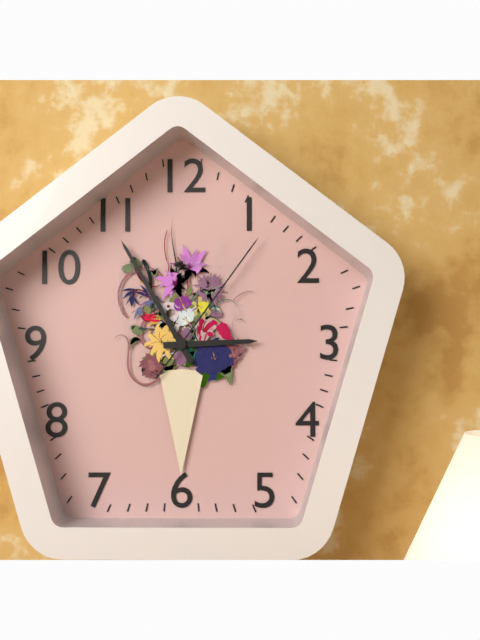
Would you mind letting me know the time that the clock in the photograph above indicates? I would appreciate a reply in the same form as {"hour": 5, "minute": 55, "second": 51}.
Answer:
{"hour": 2, "minute": 55, "second": 6}
